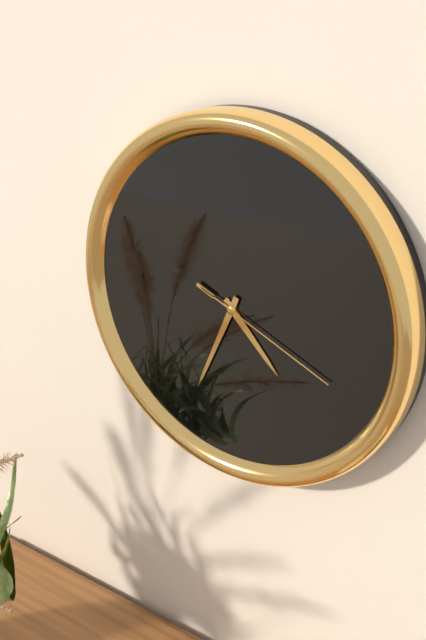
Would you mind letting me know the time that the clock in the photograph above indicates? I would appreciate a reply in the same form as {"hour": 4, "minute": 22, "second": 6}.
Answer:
{"hour": 4, "minute": 34, "second": 19}
